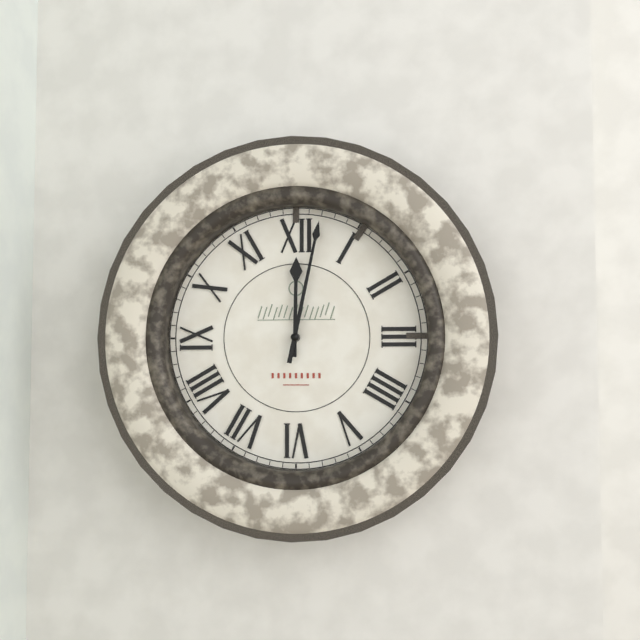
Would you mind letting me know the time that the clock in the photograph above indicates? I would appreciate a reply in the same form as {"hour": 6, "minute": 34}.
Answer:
{"hour": 12, "minute": 2}
